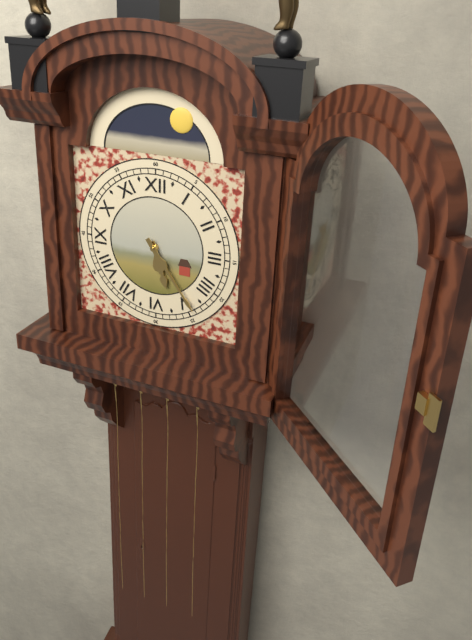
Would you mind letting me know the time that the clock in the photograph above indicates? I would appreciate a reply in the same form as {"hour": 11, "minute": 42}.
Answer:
{"hour": 5, "minute": 24}
